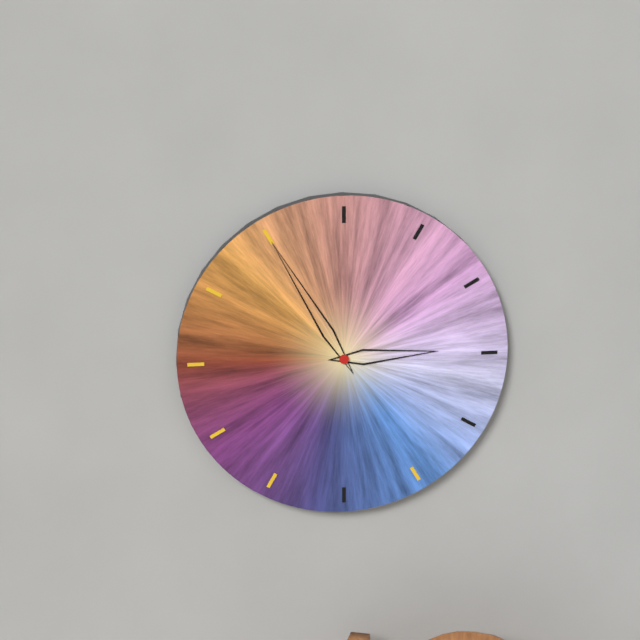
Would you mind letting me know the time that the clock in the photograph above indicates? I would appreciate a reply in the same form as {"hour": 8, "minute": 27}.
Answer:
{"hour": 2, "minute": 55}
